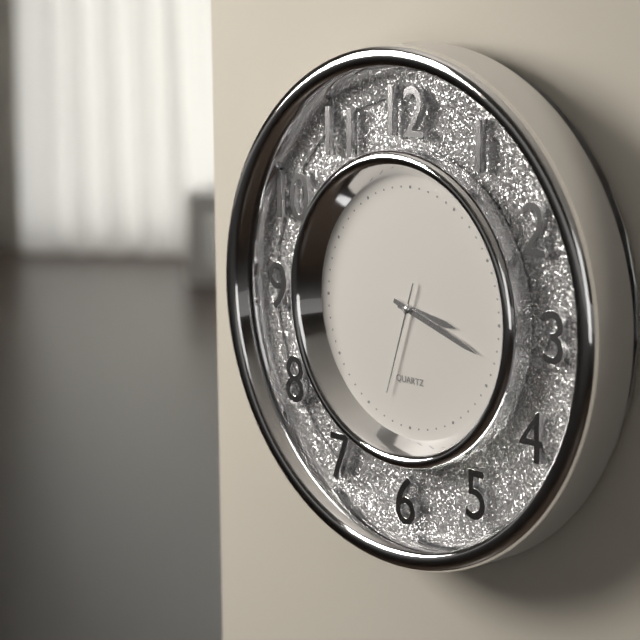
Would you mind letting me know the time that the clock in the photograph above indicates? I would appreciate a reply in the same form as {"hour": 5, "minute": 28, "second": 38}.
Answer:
{"hour": 3, "minute": 18, "second": 33}
